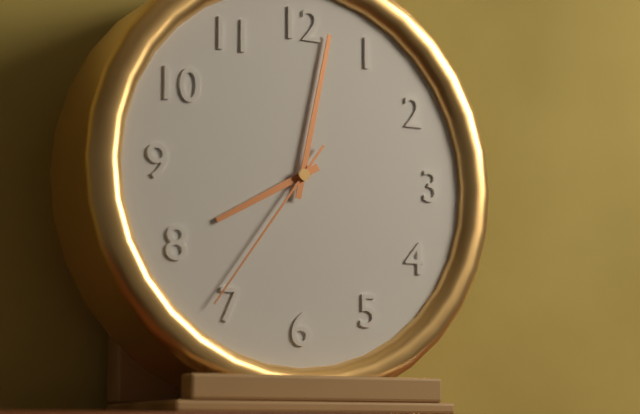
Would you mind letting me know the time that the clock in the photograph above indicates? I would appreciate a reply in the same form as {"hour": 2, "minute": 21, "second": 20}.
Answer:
{"hour": 8, "minute": 2, "second": 36}
